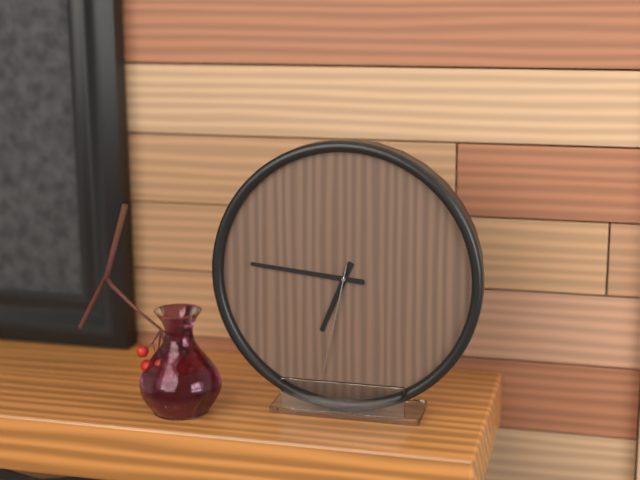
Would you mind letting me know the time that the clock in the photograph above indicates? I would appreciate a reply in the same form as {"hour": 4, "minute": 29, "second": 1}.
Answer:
{"hour": 6, "minute": 46, "second": 32}
